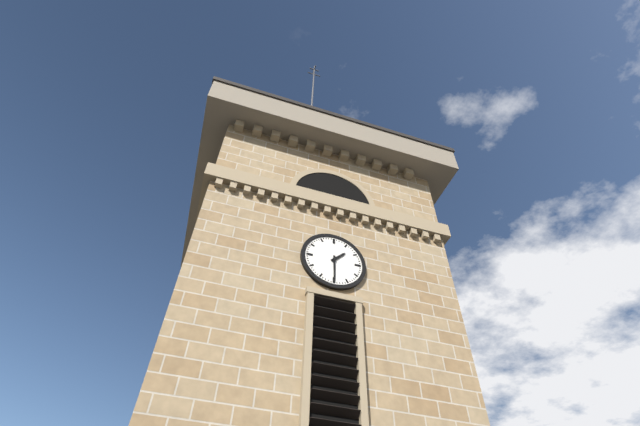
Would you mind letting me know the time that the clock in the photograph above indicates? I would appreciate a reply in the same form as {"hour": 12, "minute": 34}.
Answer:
{"hour": 1, "minute": 30}
